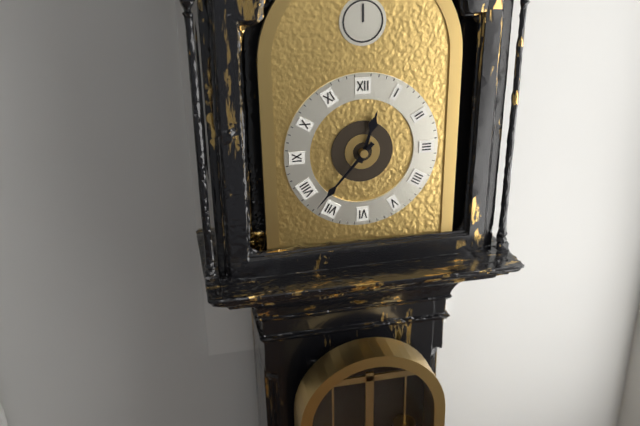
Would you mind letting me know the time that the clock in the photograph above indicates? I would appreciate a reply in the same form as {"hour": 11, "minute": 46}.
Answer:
{"hour": 12, "minute": 37}
